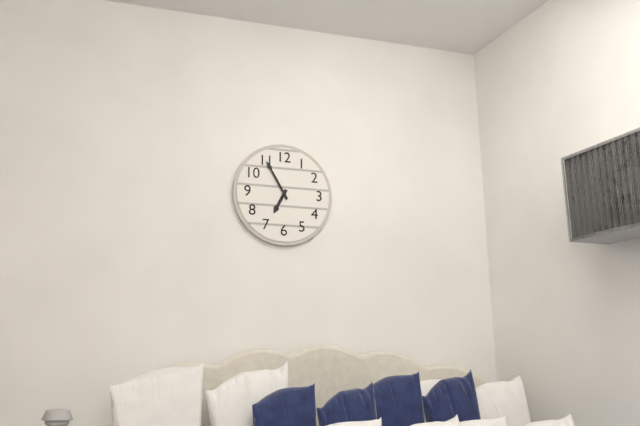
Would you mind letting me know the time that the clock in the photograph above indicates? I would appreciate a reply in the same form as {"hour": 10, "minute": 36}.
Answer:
{"hour": 6, "minute": 55}
